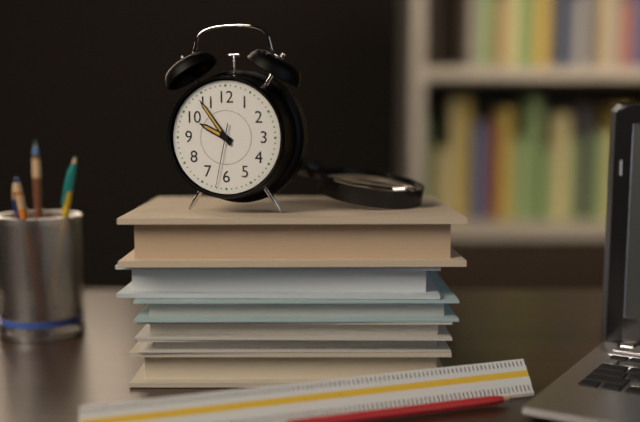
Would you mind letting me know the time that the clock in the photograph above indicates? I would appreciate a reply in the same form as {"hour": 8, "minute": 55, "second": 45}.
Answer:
{"hour": 9, "minute": 54, "second": 32}
